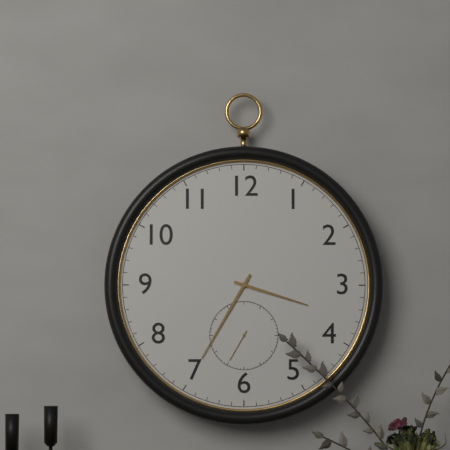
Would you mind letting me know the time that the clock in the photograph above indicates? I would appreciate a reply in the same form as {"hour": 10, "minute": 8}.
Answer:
{"hour": 3, "minute": 35}
